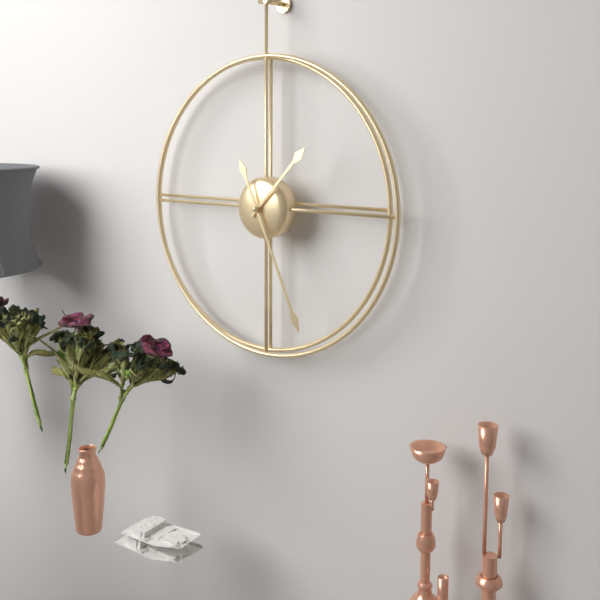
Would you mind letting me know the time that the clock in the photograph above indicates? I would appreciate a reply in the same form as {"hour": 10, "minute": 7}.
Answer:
{"hour": 1, "minute": 26}
